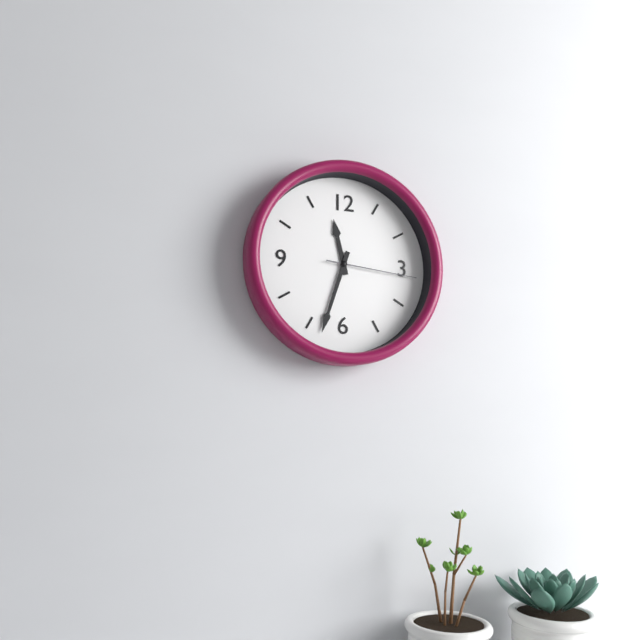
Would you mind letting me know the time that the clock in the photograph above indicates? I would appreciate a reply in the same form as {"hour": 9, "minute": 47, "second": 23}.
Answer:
{"hour": 11, "minute": 33, "second": 16}
